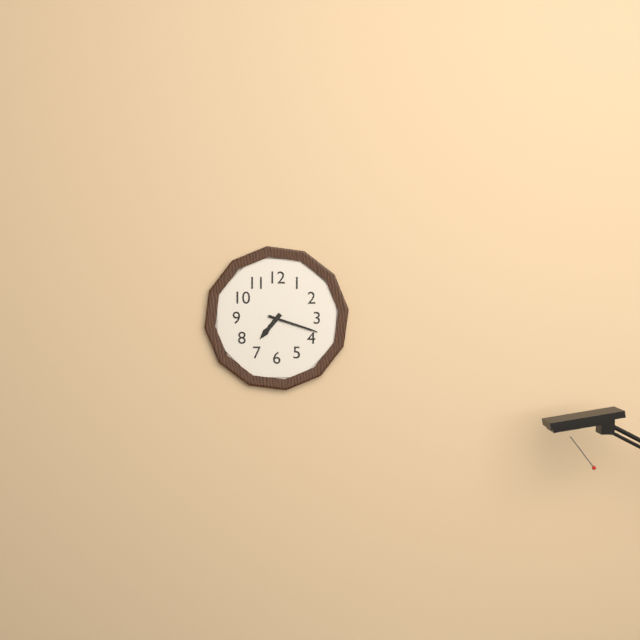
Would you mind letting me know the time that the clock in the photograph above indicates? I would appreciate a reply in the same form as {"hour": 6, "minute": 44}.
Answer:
{"hour": 7, "minute": 18}
